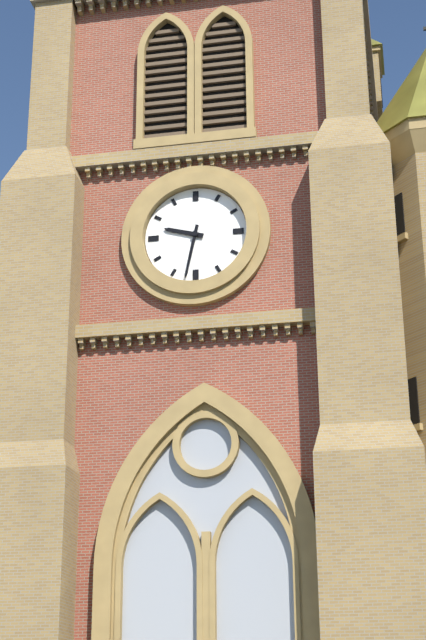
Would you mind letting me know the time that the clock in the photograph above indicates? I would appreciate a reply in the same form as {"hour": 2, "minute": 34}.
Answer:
{"hour": 9, "minute": 32}
